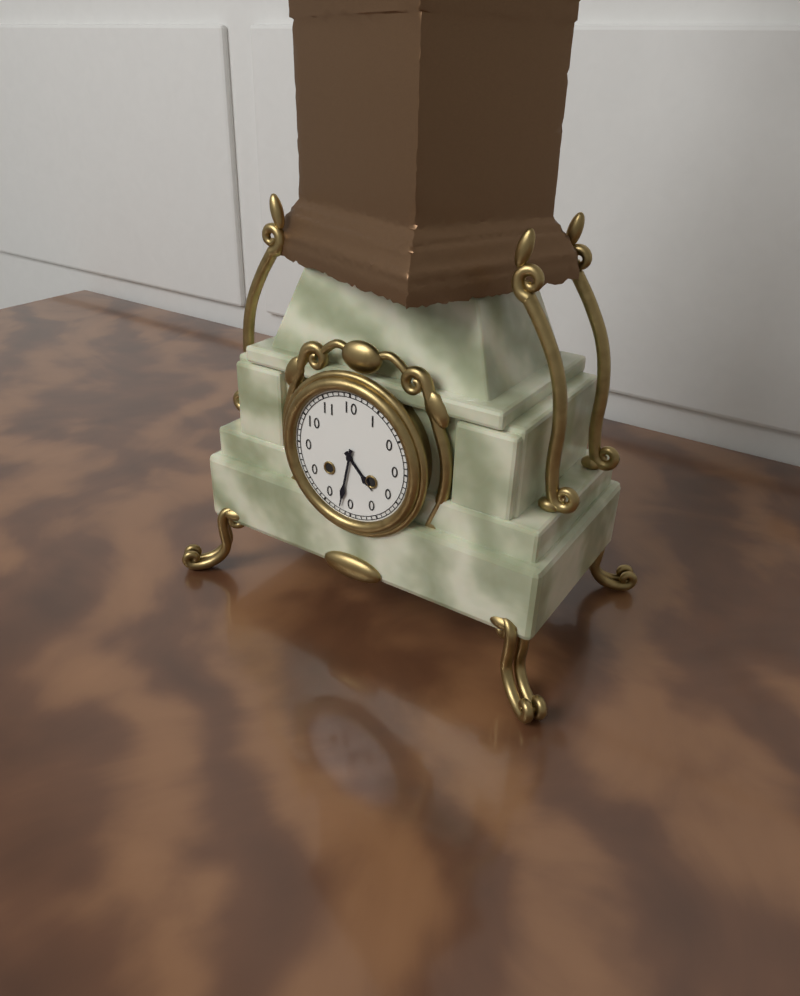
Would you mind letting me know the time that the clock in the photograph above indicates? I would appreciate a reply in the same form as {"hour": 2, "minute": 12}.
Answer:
{"hour": 4, "minute": 32}
